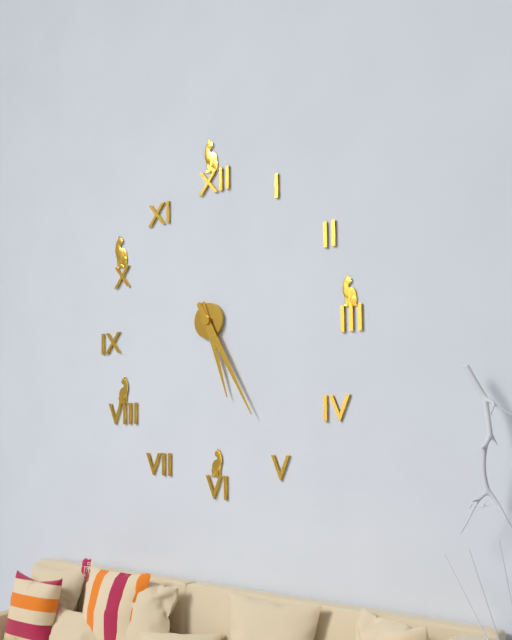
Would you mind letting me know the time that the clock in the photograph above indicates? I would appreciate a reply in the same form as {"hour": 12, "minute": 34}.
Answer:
{"hour": 5, "minute": 25}
